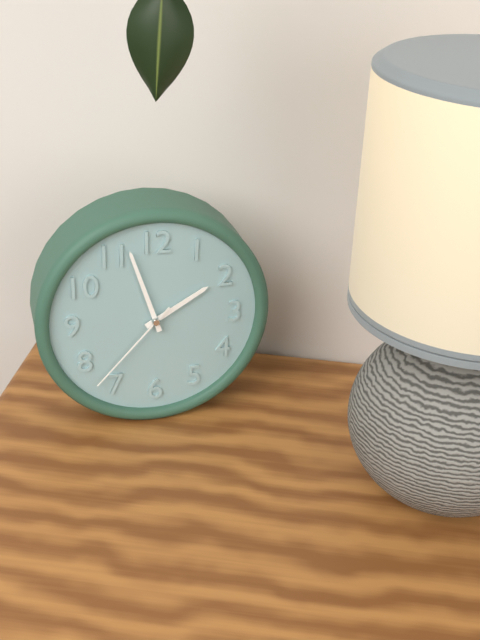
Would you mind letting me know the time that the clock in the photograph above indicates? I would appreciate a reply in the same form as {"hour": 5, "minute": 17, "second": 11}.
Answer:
{"hour": 1, "minute": 57, "second": 37}
